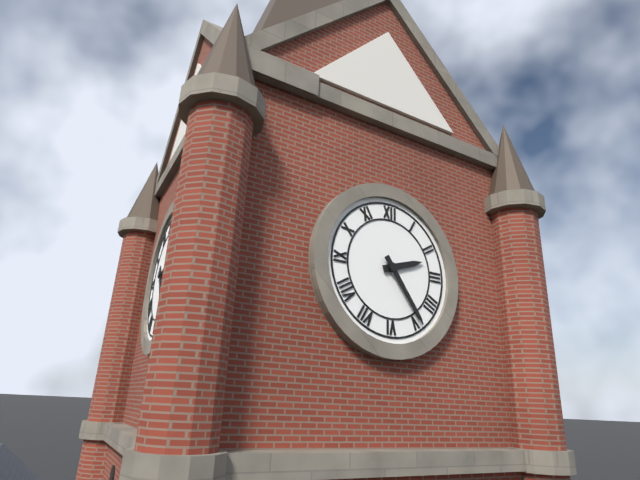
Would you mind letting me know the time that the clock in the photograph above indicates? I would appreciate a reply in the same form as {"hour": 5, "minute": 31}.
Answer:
{"hour": 2, "minute": 24}
